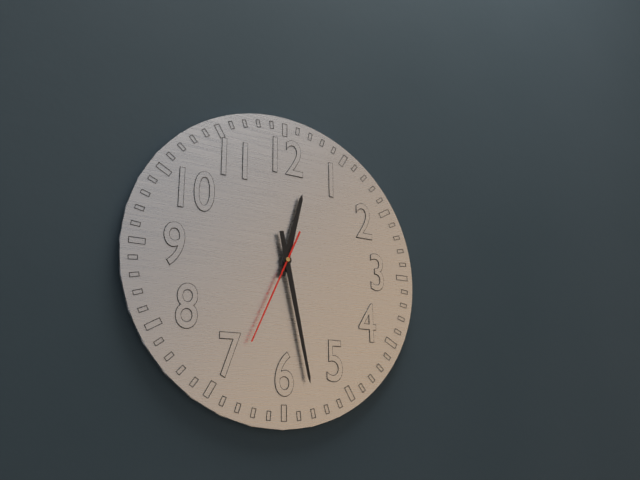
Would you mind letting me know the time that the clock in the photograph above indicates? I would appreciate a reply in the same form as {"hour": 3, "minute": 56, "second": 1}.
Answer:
{"hour": 12, "minute": 28, "second": 34}
